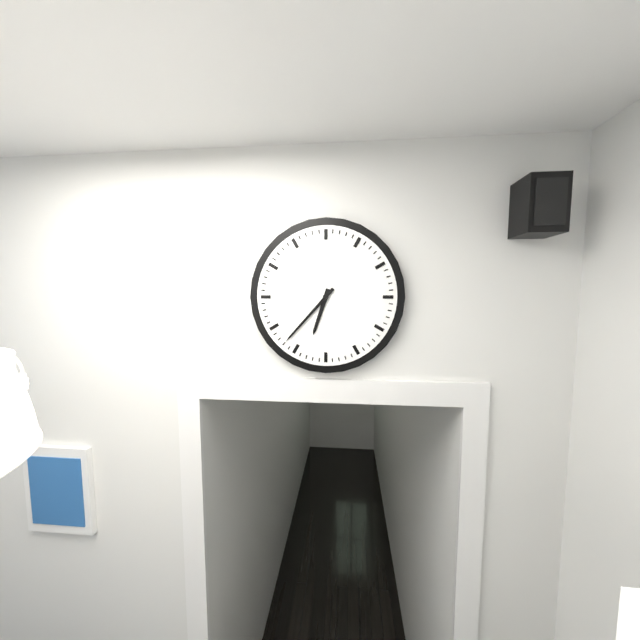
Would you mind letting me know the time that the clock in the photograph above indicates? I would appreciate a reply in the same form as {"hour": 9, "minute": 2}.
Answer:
{"hour": 6, "minute": 37}
